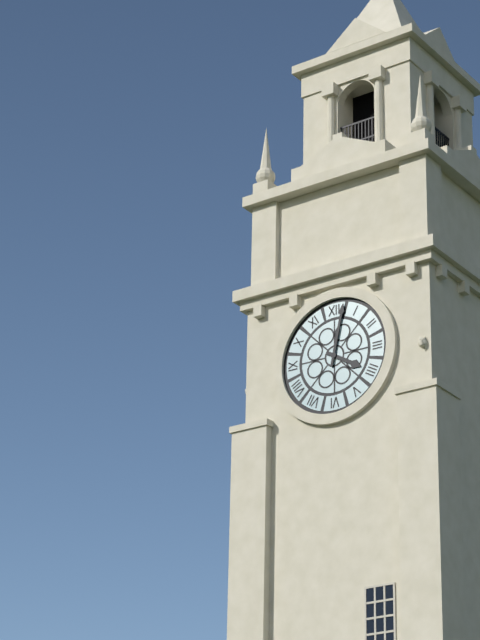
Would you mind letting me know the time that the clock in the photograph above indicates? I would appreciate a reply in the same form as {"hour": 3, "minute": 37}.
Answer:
{"hour": 4, "minute": 2}
